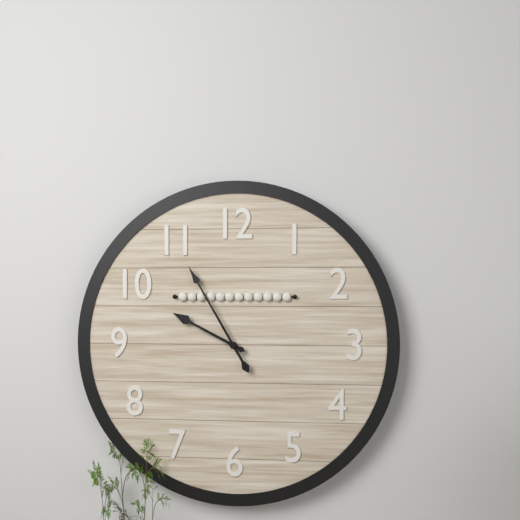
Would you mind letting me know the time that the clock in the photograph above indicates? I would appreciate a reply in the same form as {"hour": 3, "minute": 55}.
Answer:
{"hour": 9, "minute": 55}
